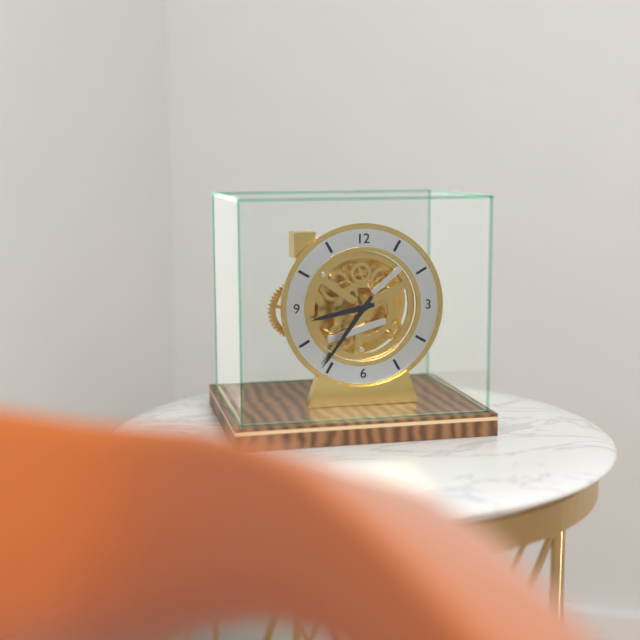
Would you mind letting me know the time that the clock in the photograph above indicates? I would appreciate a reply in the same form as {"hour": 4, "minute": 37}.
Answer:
{"hour": 8, "minute": 36}
